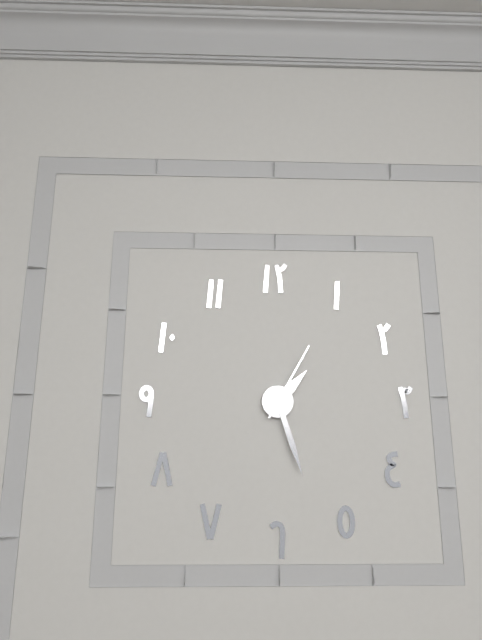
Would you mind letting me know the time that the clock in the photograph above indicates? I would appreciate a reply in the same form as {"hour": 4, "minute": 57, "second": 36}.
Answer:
{"hour": 1, "minute": 27, "second": 5}
